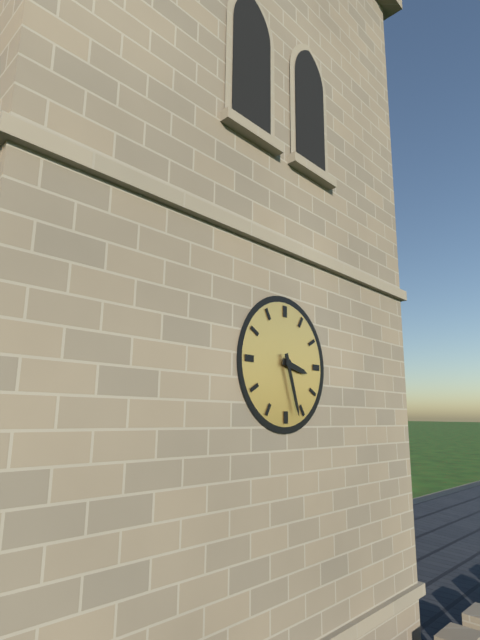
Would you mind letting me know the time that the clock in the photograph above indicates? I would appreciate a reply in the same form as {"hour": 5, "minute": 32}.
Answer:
{"hour": 3, "minute": 27}
